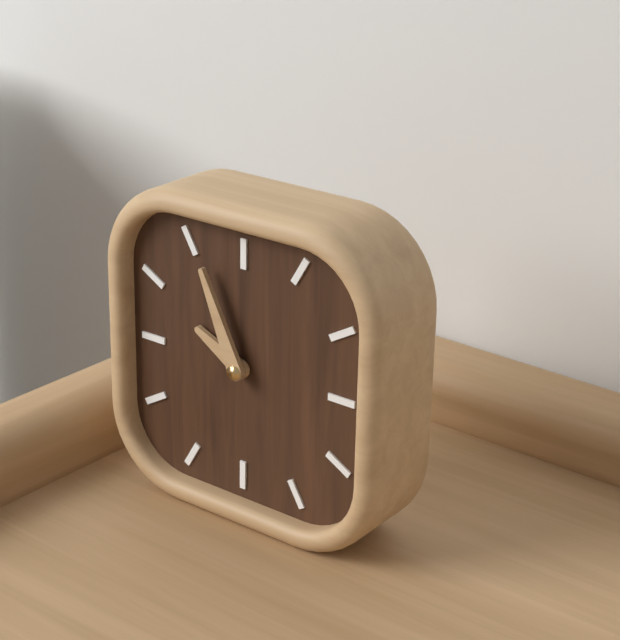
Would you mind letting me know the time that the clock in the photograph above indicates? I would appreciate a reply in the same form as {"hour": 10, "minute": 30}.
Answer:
{"hour": 9, "minute": 56}
